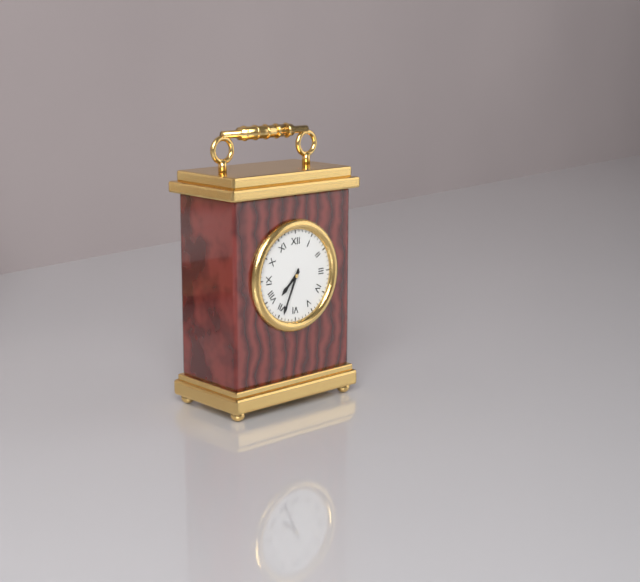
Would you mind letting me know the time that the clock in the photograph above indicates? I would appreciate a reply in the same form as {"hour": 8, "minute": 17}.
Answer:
{"hour": 7, "minute": 34}
